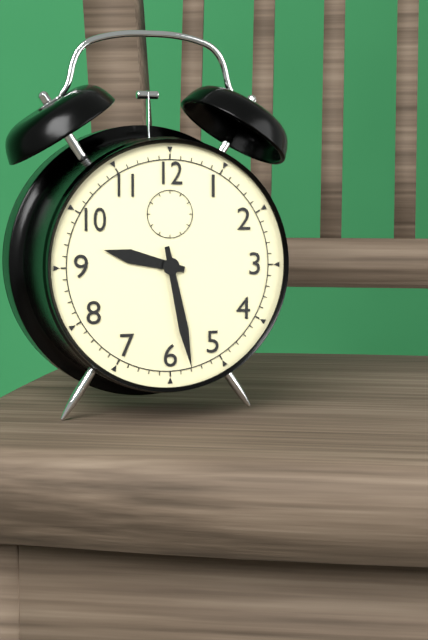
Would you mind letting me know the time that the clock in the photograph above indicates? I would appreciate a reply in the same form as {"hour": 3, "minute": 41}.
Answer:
{"hour": 9, "minute": 28}
